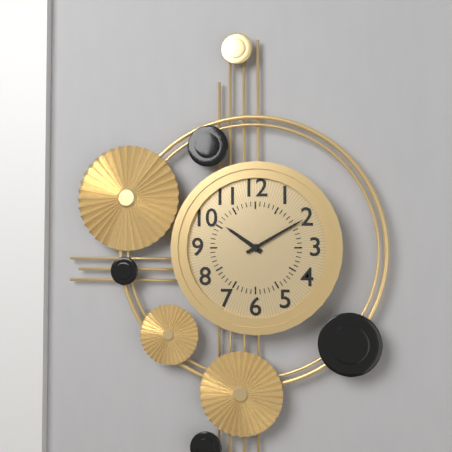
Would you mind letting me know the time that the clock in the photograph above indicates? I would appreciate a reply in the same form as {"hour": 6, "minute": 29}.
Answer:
{"hour": 10, "minute": 10}
